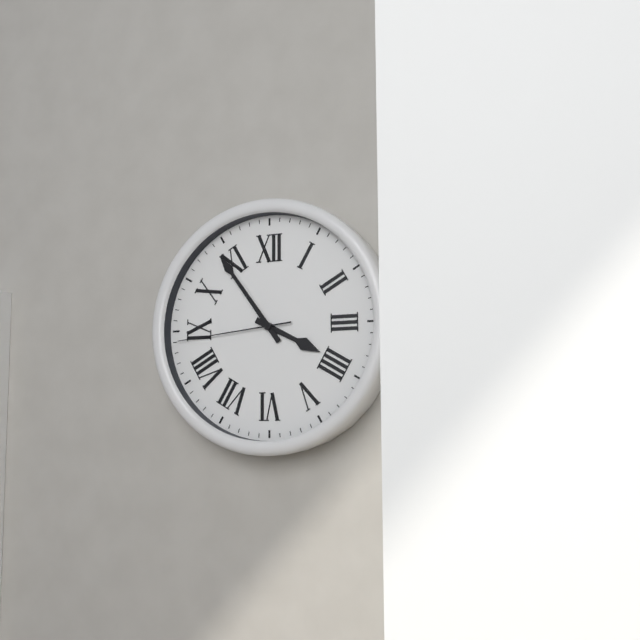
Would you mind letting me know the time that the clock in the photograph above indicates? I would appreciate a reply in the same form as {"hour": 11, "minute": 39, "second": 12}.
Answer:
{"hour": 3, "minute": 54, "second": 44}
